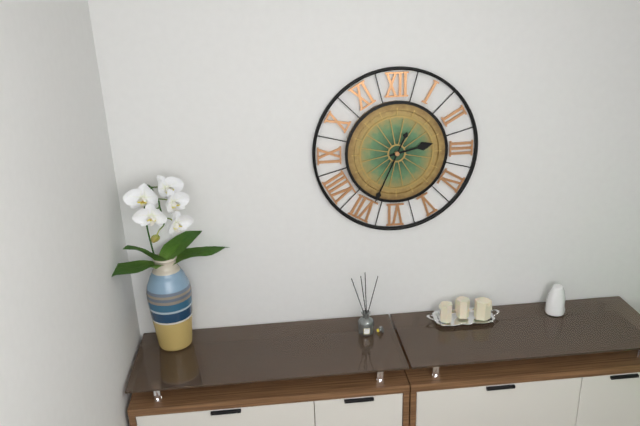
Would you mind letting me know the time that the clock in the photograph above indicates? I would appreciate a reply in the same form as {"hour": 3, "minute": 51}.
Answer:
{"hour": 2, "minute": 34}
